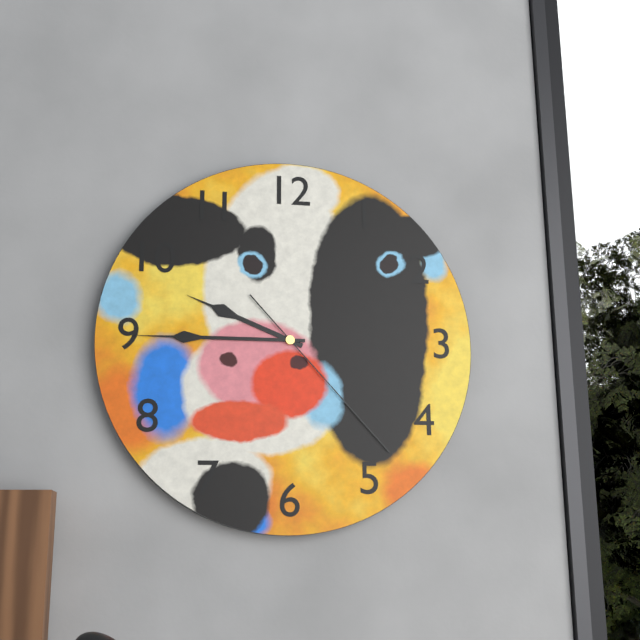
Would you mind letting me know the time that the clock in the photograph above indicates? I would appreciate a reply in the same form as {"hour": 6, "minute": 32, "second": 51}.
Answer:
{"hour": 9, "minute": 45, "second": 23}
